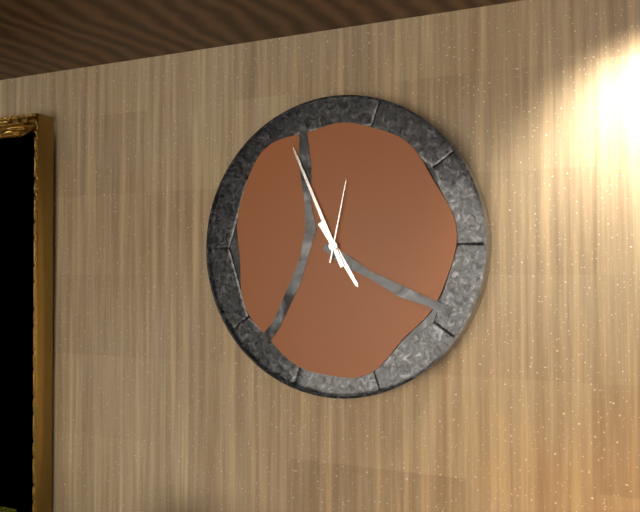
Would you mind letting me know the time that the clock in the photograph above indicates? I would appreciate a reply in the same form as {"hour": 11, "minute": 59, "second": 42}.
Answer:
{"hour": 4, "minute": 56, "second": 2}
